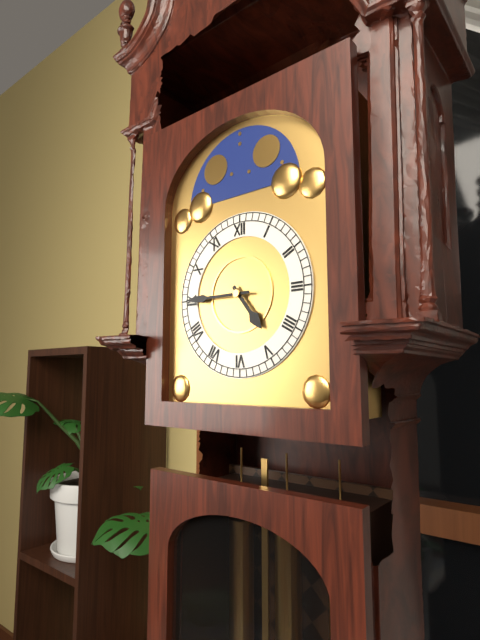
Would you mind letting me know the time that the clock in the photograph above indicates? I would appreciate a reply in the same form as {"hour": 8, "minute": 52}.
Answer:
{"hour": 4, "minute": 45}
